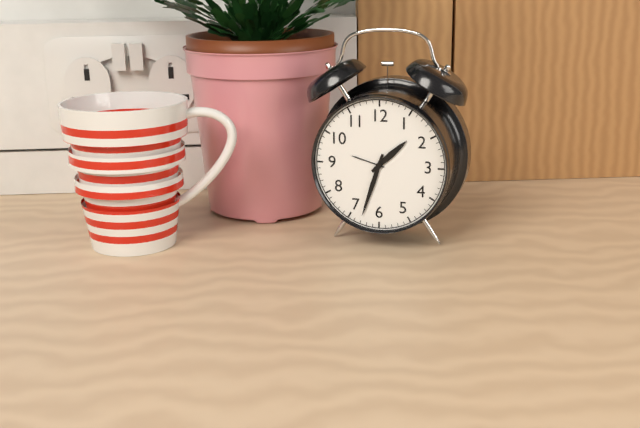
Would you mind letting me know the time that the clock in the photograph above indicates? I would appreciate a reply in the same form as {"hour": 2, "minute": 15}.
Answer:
{"hour": 1, "minute": 33}
